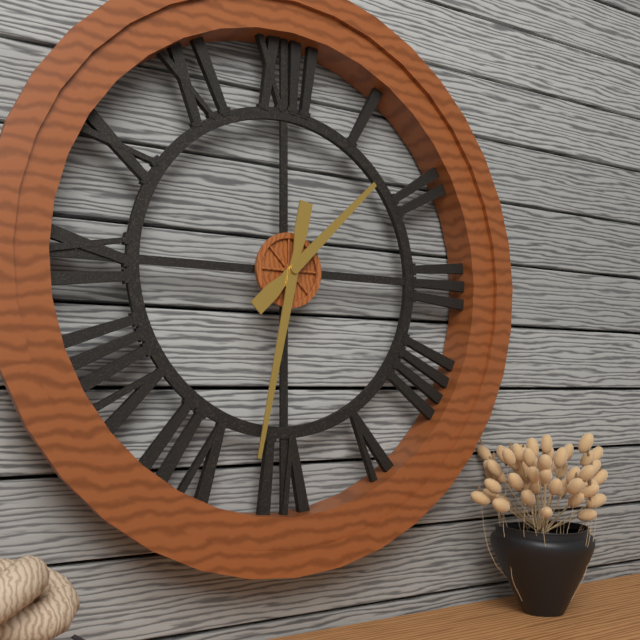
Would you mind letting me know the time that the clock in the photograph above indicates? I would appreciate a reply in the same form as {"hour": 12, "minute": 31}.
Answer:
{"hour": 1, "minute": 32}
